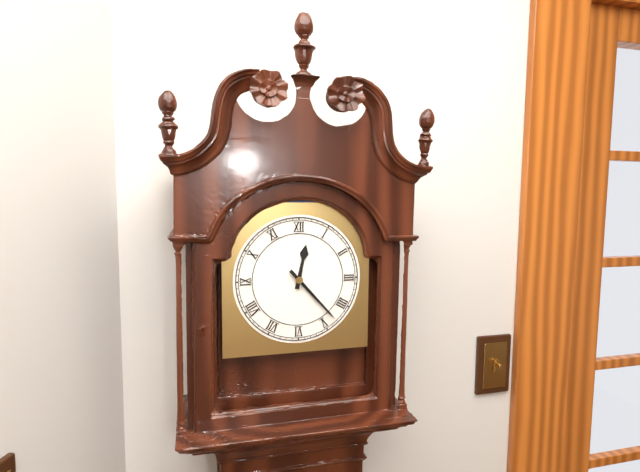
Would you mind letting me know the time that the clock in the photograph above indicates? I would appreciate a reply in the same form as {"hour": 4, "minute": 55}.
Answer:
{"hour": 12, "minute": 23}
